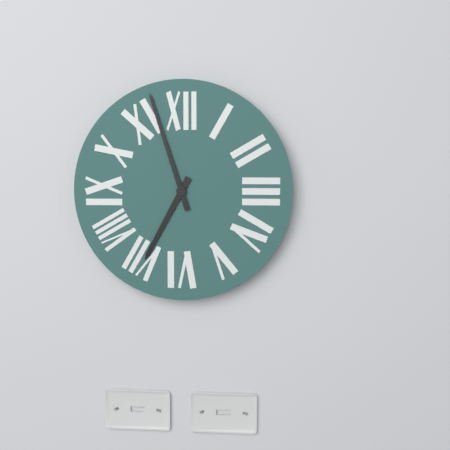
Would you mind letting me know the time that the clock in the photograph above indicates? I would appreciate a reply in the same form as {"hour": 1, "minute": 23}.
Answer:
{"hour": 6, "minute": 57}
